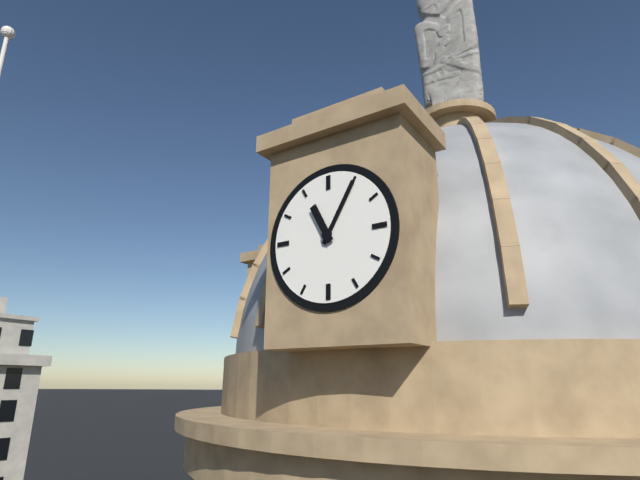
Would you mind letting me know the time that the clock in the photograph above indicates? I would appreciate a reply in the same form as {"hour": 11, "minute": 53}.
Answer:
{"hour": 11, "minute": 5}
